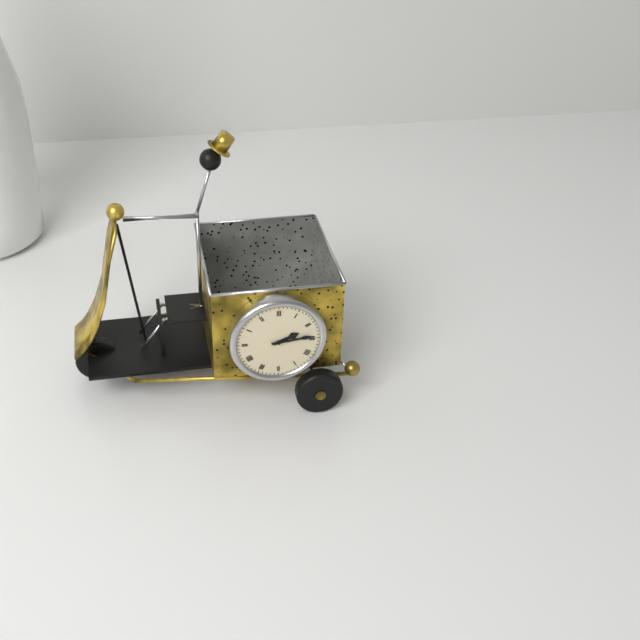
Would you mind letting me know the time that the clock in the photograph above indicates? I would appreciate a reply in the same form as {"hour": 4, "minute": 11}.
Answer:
{"hour": 2, "minute": 14}
